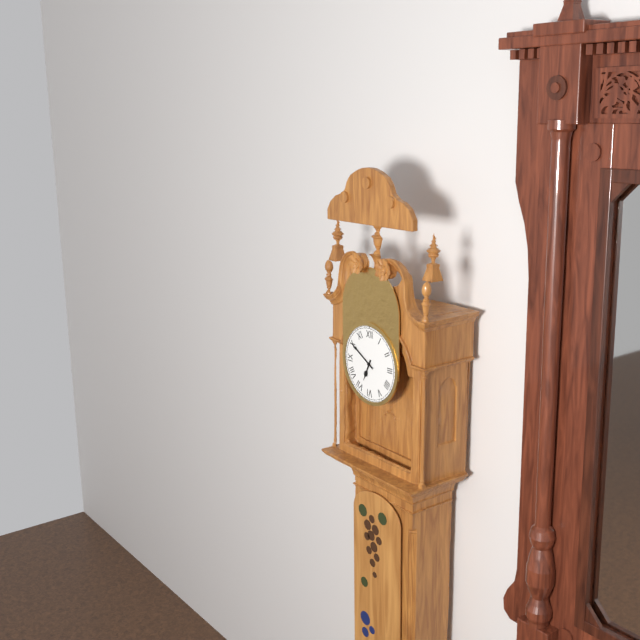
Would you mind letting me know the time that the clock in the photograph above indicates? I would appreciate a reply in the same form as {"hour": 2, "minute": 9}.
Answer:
{"hour": 6, "minute": 50}
